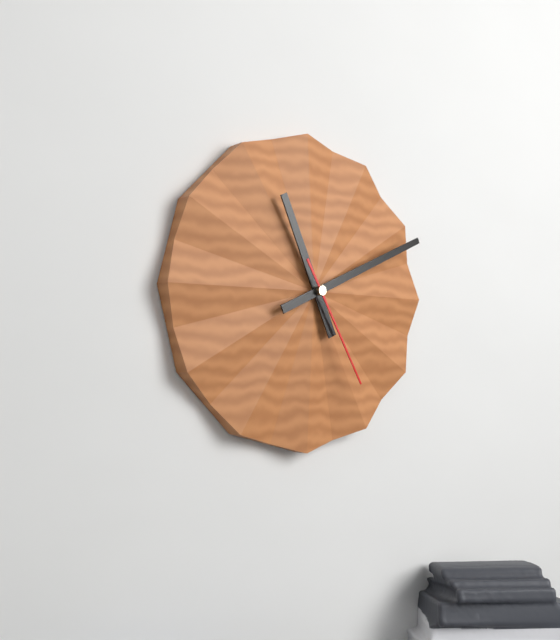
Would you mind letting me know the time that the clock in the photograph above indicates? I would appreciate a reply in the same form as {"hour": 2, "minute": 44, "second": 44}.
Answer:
{"hour": 11, "minute": 11, "second": 25}
